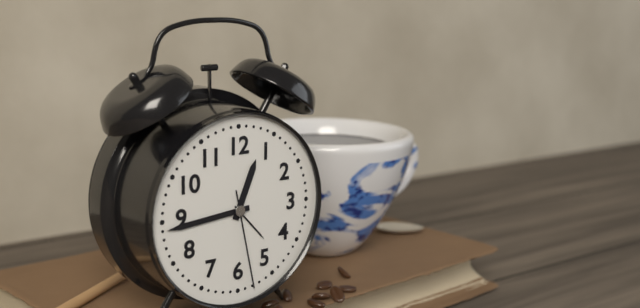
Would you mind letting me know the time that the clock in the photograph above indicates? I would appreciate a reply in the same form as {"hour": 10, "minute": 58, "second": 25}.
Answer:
{"hour": 12, "minute": 44, "second": 28}
